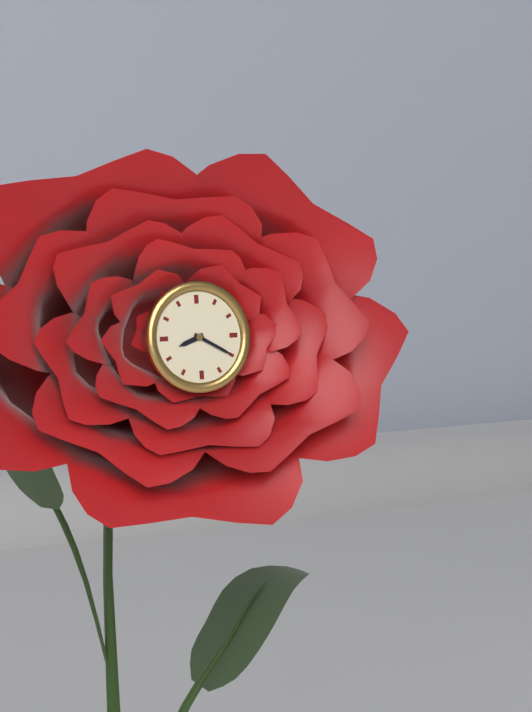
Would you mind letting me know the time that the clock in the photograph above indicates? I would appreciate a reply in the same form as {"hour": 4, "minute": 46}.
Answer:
{"hour": 8, "minute": 20}
